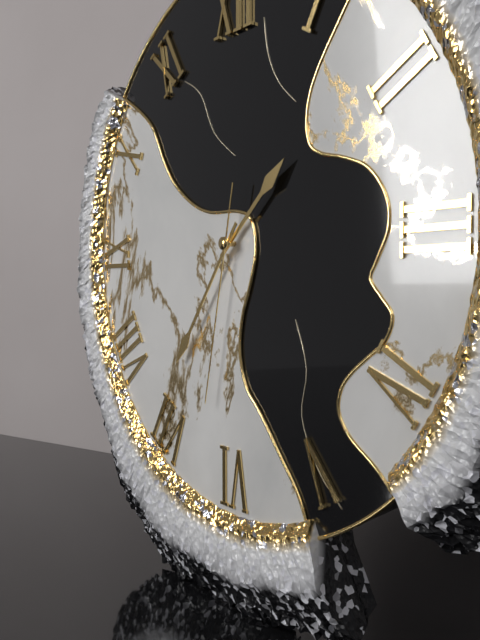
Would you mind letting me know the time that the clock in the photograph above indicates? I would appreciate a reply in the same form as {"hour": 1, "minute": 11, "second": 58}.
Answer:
{"hour": 1, "minute": 36, "second": 32}
